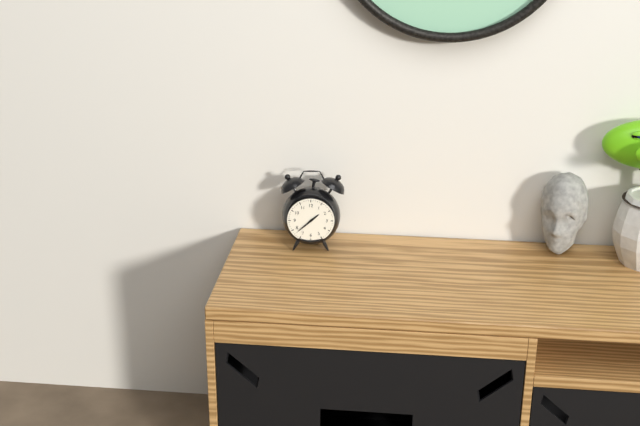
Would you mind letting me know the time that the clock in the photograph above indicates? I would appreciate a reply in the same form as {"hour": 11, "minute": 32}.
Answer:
{"hour": 1, "minute": 38}
